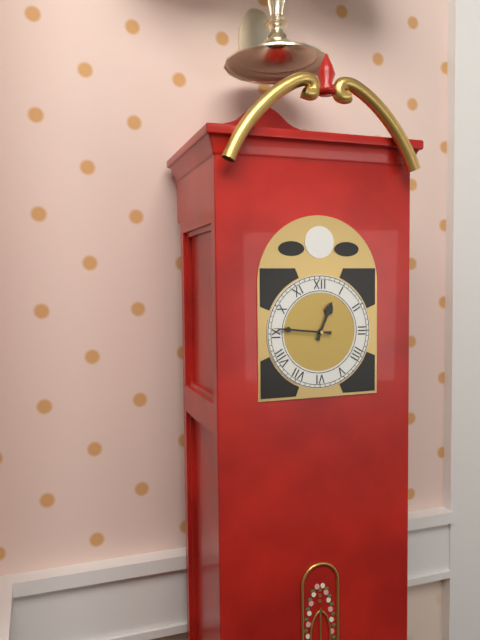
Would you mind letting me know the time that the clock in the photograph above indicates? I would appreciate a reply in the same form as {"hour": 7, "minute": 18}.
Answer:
{"hour": 12, "minute": 46}
